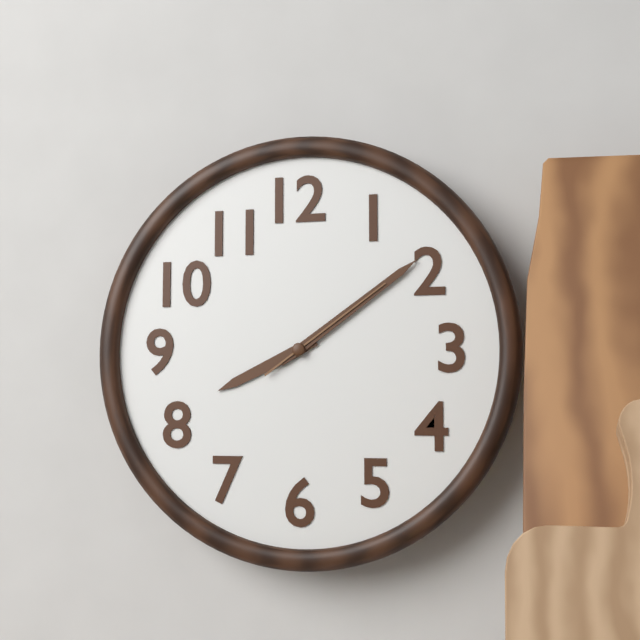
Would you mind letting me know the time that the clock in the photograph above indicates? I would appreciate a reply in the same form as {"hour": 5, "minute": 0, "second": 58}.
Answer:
{"hour": 8, "minute": 9, "second": 9}
